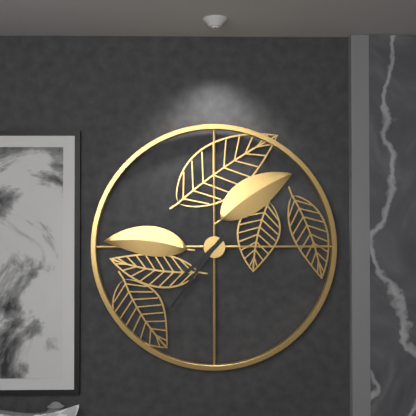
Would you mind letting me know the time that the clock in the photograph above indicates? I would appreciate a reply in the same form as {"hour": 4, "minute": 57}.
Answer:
{"hour": 7, "minute": 36}
